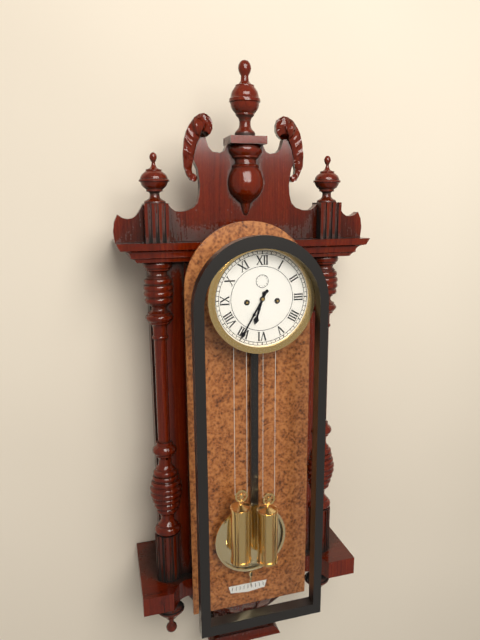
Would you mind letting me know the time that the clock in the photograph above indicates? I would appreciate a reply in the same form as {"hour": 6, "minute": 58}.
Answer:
{"hour": 6, "minute": 35}
